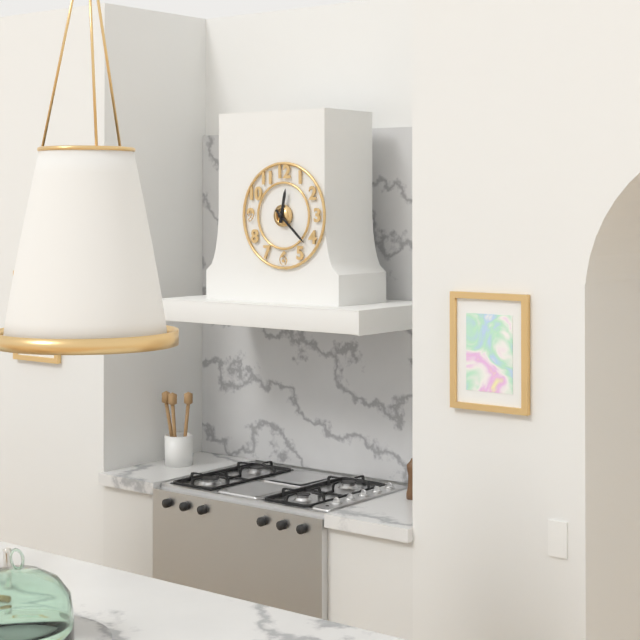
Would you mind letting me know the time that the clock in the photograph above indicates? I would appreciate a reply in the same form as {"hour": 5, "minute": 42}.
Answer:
{"hour": 12, "minute": 22}
